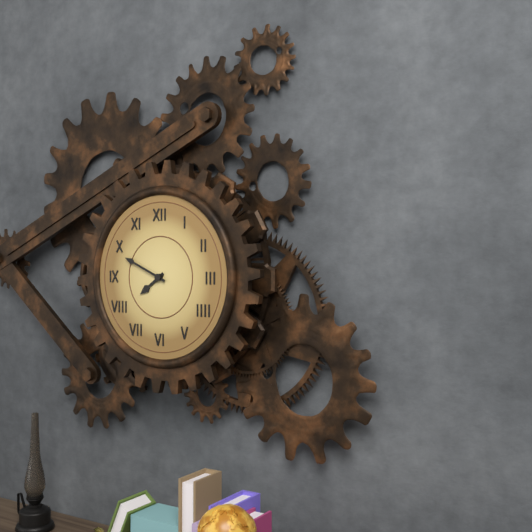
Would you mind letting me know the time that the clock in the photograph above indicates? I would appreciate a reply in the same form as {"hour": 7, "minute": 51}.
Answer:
{"hour": 7, "minute": 49}
